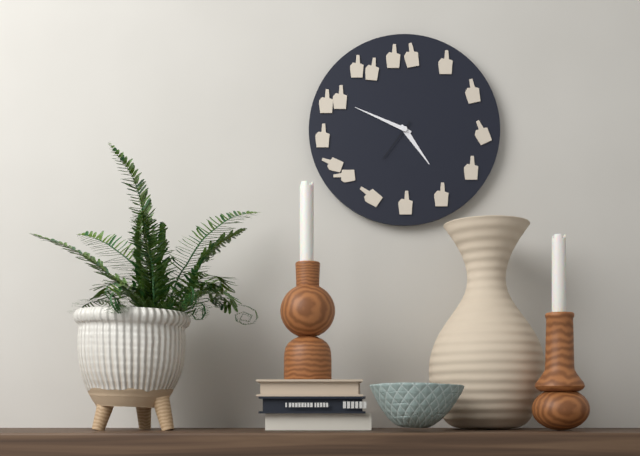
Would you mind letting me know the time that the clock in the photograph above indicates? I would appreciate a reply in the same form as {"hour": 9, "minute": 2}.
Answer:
{"hour": 4, "minute": 49}
